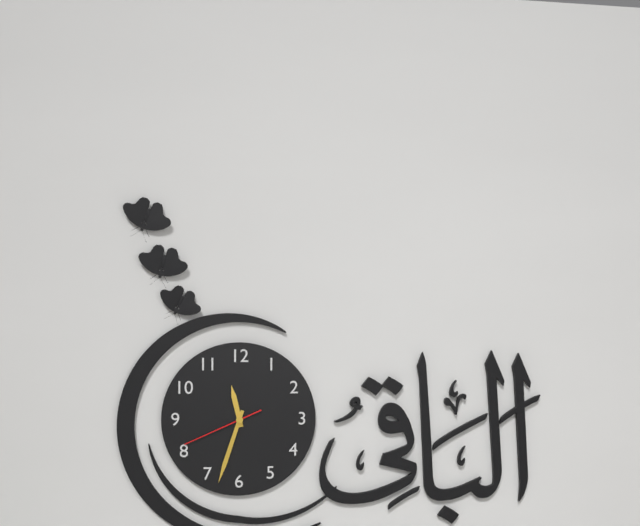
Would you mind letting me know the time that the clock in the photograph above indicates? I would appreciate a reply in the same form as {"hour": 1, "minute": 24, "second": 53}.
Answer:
{"hour": 11, "minute": 33, "second": 41}
